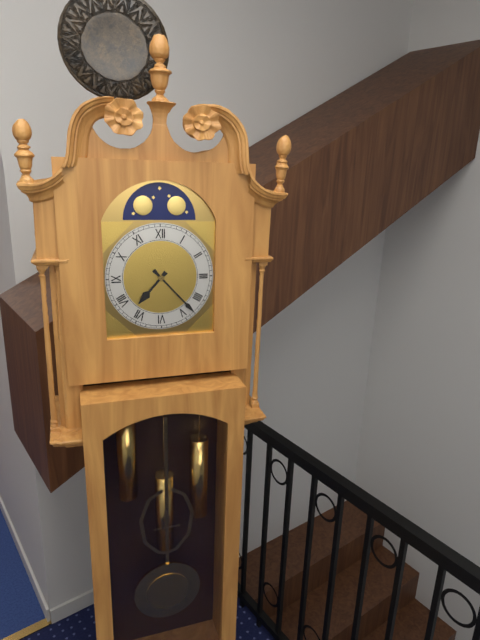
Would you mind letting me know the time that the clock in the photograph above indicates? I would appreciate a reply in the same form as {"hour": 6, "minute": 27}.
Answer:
{"hour": 7, "minute": 23}
